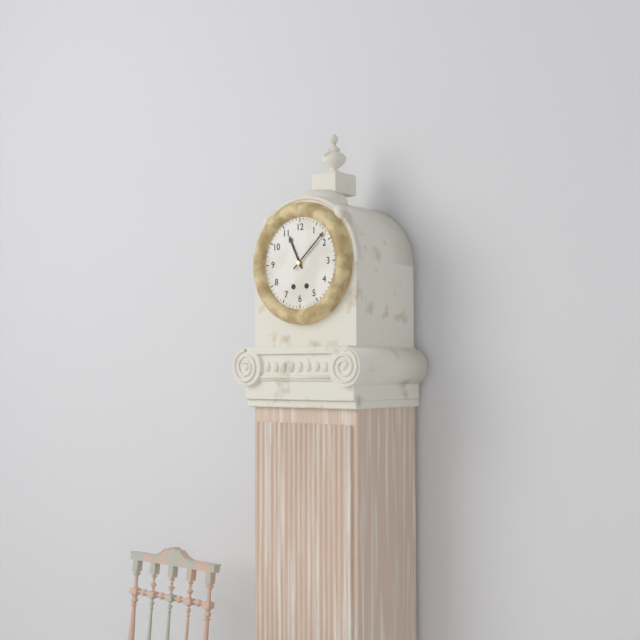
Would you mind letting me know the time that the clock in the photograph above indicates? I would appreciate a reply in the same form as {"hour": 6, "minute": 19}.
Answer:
{"hour": 11, "minute": 8}
